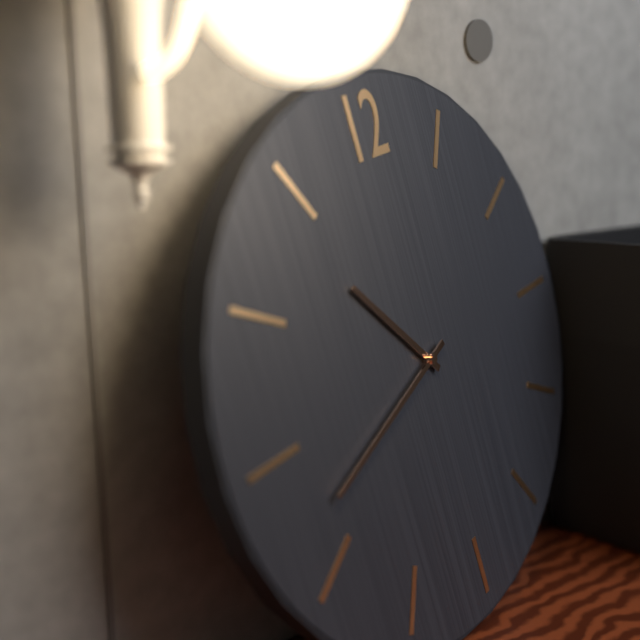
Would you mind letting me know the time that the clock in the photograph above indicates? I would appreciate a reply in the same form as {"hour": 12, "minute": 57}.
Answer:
{"hour": 10, "minute": 42}
